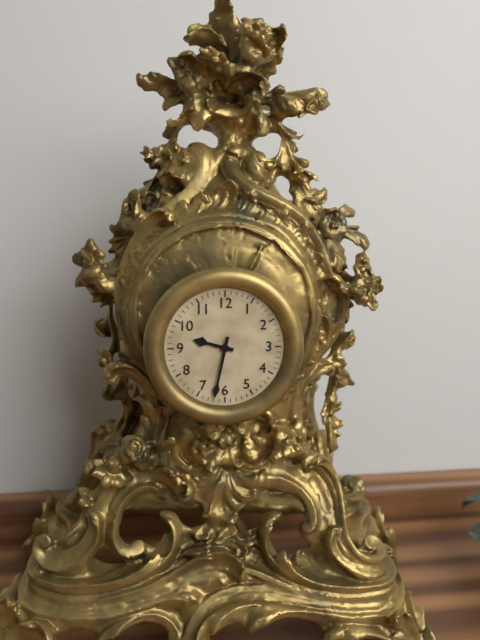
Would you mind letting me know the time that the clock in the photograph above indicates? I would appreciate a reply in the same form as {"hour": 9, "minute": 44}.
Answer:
{"hour": 9, "minute": 32}
